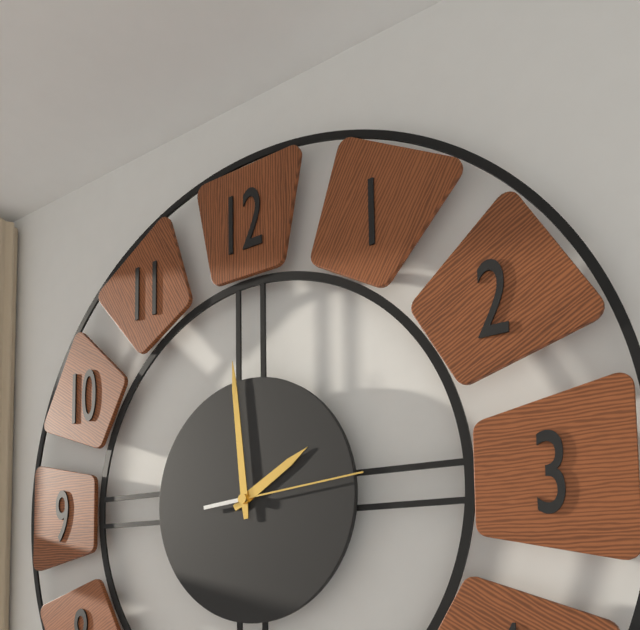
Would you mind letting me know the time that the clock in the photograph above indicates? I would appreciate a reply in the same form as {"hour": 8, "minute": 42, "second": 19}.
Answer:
{"hour": 1, "minute": 59, "second": 14}
